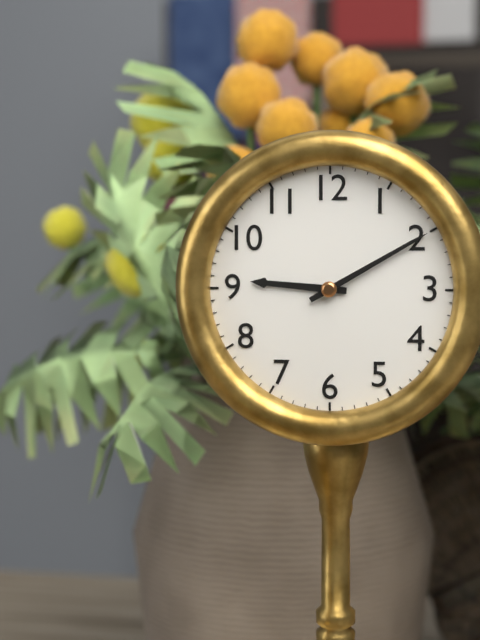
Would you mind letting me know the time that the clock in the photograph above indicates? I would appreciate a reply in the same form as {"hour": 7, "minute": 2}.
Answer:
{"hour": 9, "minute": 10}
